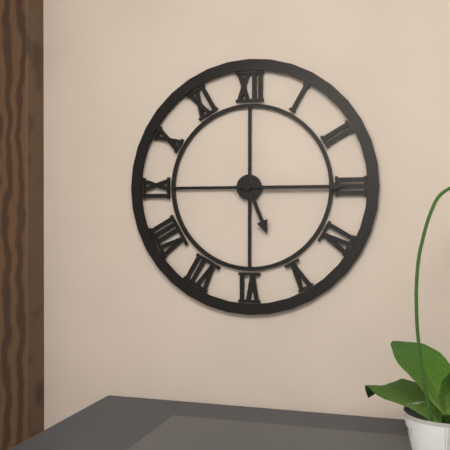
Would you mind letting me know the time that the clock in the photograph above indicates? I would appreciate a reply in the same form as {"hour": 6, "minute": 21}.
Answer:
{"hour": 5, "minute": 15}
